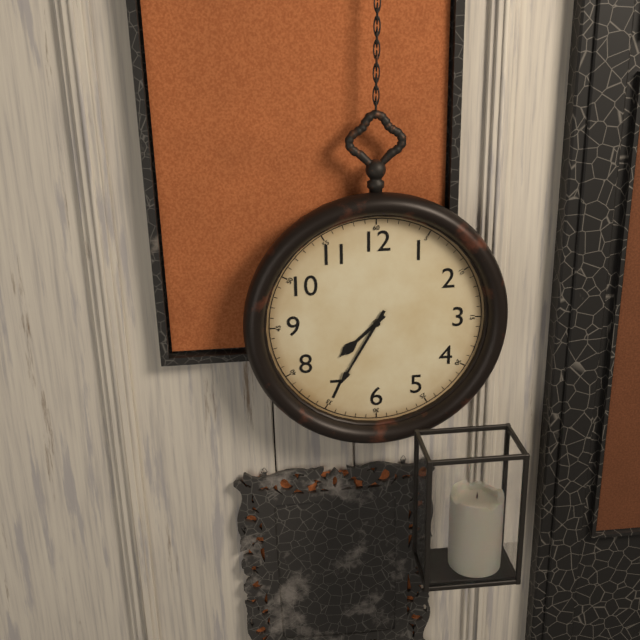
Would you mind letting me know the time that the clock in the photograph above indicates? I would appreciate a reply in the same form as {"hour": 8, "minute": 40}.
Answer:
{"hour": 7, "minute": 35}
